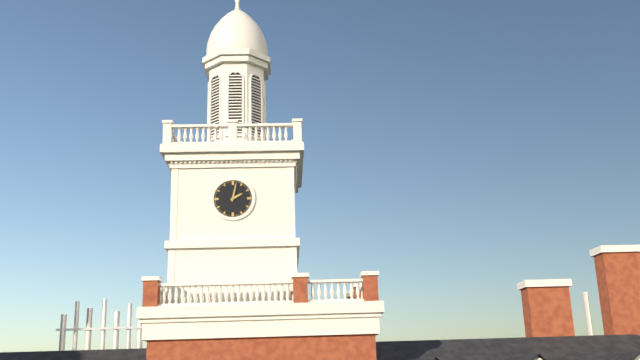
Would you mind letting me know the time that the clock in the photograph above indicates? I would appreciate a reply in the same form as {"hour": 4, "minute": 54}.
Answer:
{"hour": 2, "minute": 2}
